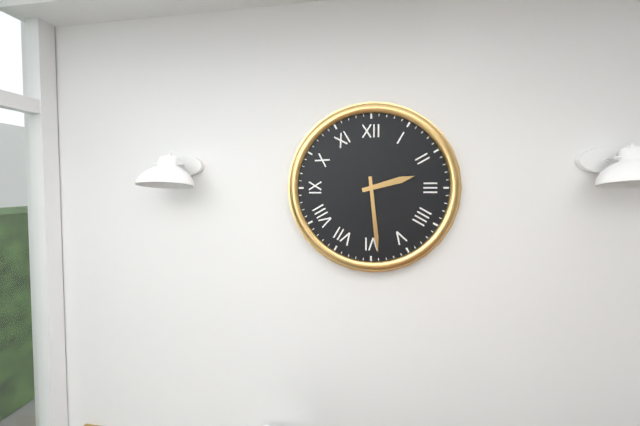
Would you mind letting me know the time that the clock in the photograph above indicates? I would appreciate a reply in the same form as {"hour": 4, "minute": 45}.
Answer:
{"hour": 2, "minute": 29}
